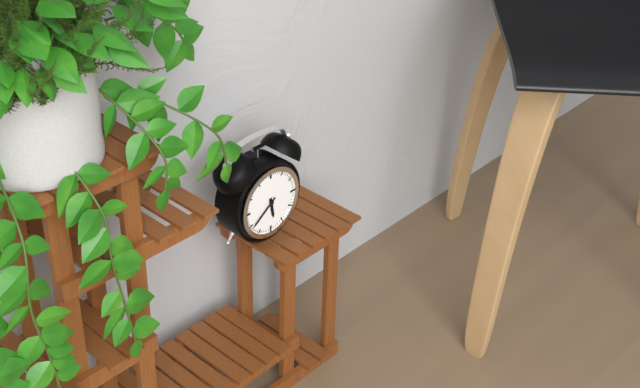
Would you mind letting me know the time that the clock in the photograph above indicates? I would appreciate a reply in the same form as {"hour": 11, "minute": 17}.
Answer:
{"hour": 5, "minute": 39}
